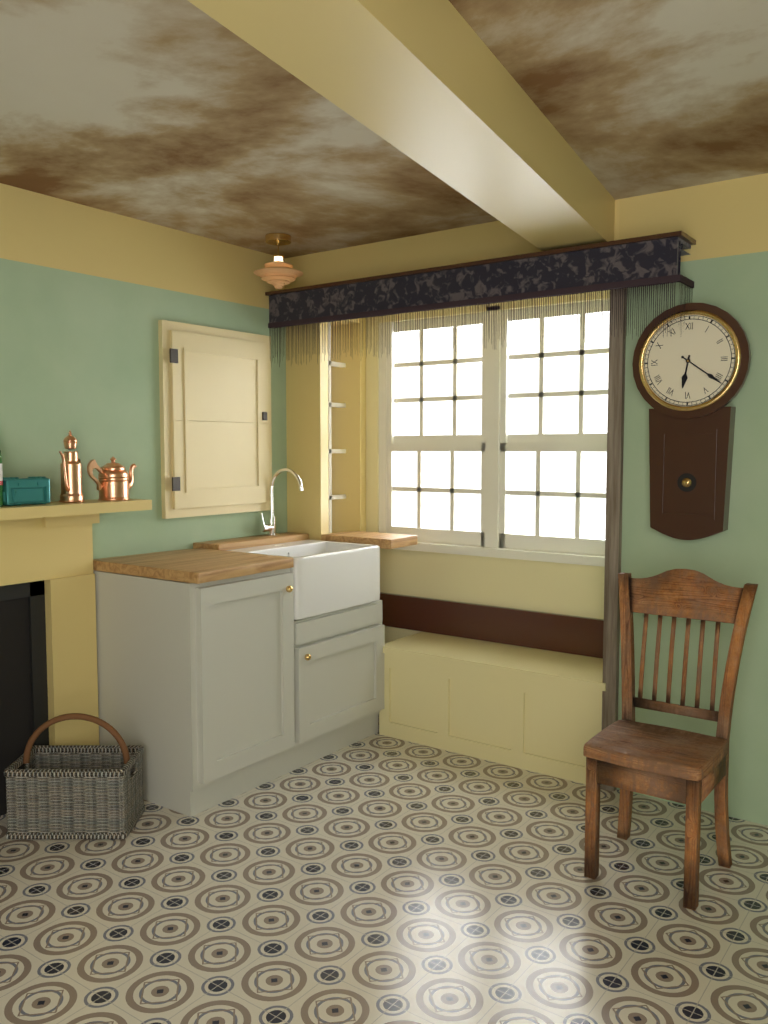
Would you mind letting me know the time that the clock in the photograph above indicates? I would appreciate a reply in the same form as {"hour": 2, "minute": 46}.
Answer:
{"hour": 6, "minute": 21}
